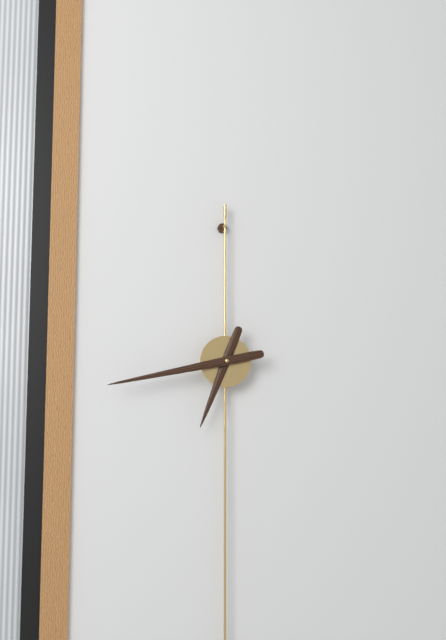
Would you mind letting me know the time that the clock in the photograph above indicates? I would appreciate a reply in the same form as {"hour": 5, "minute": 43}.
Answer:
{"hour": 6, "minute": 43}
